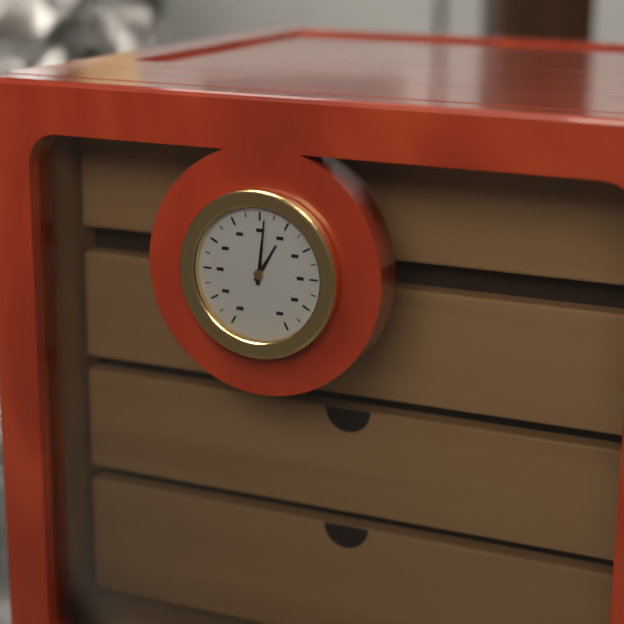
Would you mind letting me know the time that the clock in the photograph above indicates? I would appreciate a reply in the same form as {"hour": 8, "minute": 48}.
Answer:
{"hour": 1, "minute": 1}
